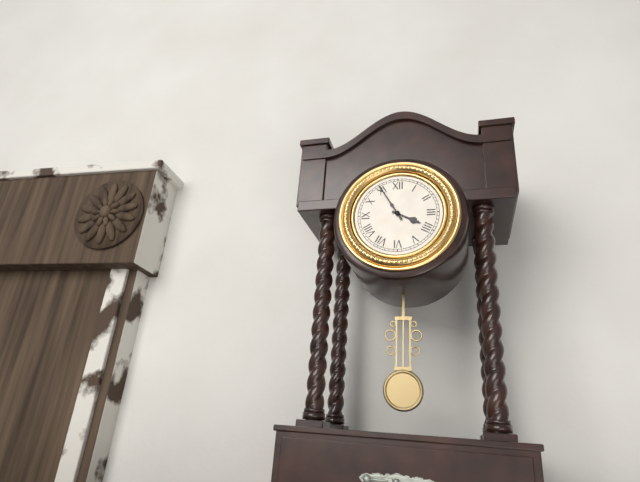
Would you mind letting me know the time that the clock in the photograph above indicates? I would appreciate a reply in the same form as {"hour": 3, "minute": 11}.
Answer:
{"hour": 3, "minute": 55}
